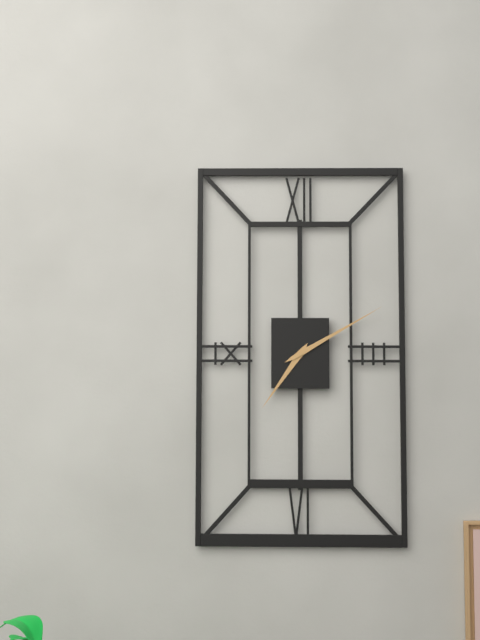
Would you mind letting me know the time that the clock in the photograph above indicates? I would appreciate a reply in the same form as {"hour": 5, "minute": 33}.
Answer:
{"hour": 7, "minute": 10}
